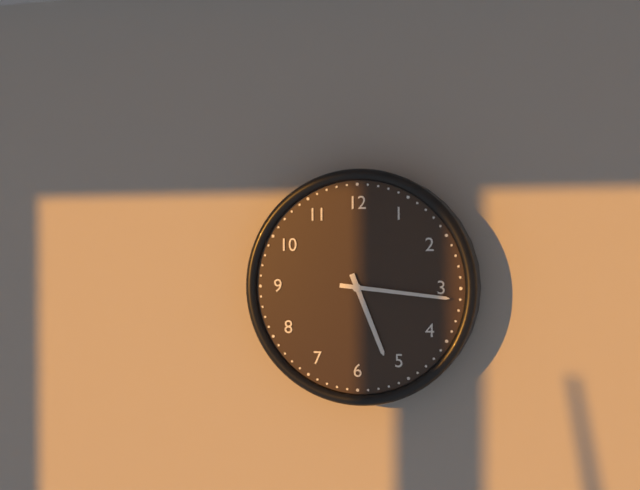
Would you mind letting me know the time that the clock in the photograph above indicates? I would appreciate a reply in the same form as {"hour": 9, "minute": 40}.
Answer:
{"hour": 5, "minute": 16}
